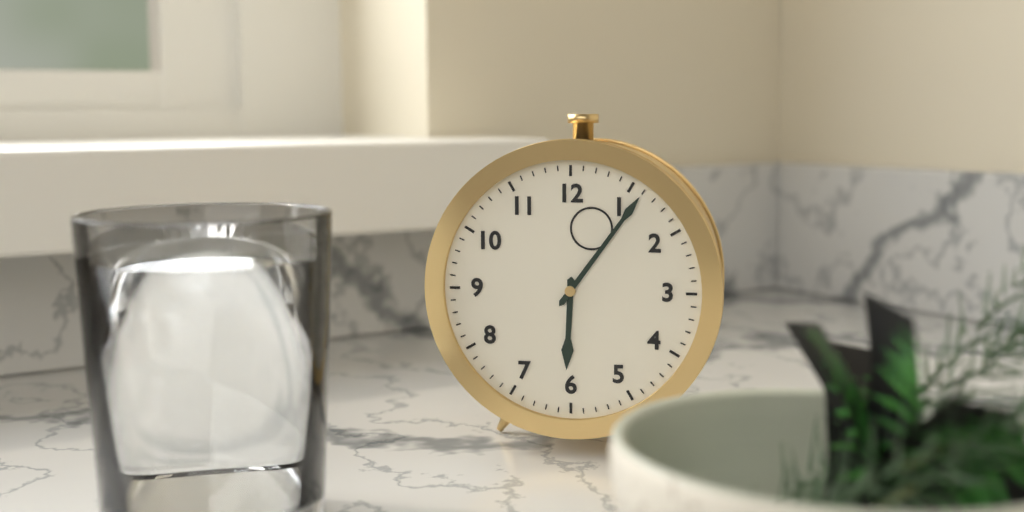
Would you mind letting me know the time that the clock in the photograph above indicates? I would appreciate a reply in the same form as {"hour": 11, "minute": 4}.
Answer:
{"hour": 6, "minute": 6}
